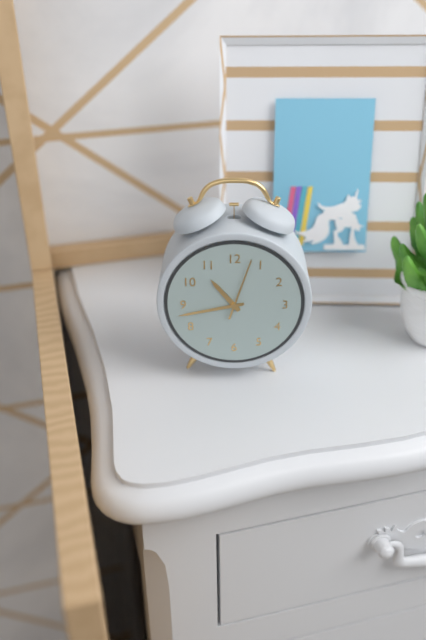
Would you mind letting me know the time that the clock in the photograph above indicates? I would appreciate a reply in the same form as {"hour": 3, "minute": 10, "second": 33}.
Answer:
{"hour": 10, "minute": 43, "second": 3}
